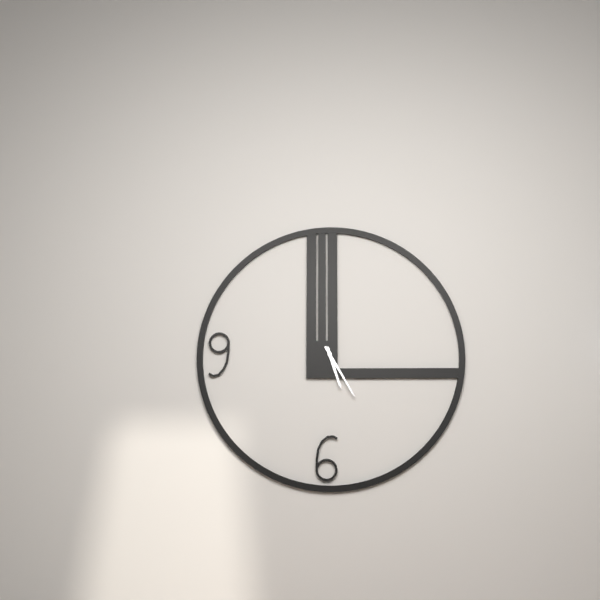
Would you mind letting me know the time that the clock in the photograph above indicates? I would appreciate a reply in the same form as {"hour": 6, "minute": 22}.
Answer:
{"hour": 5, "minute": 25}
